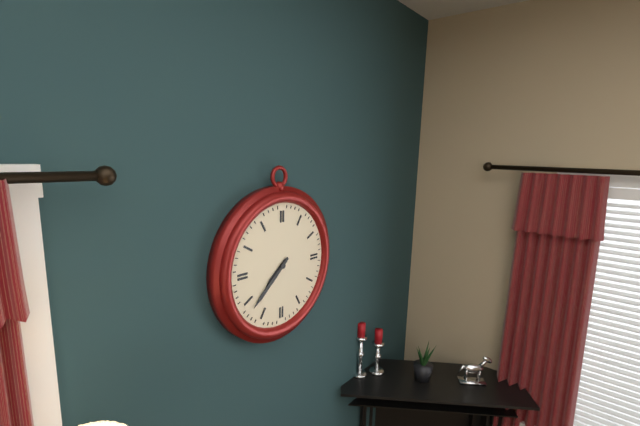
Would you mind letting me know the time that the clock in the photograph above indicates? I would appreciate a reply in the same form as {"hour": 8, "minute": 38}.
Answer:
{"hour": 7, "minute": 38}
